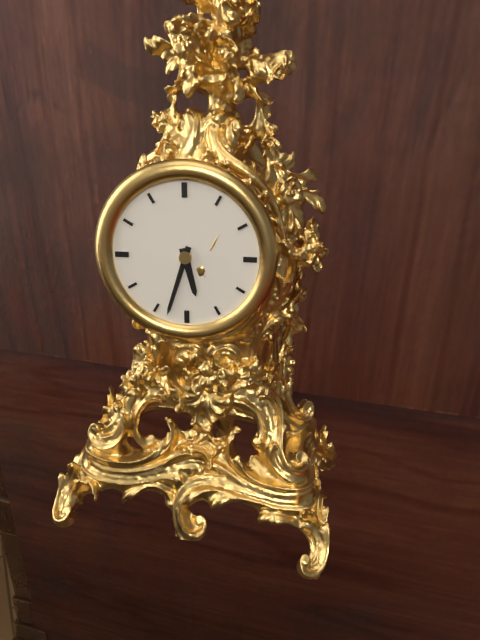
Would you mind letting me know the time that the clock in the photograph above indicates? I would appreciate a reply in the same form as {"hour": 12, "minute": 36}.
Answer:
{"hour": 5, "minute": 33}
